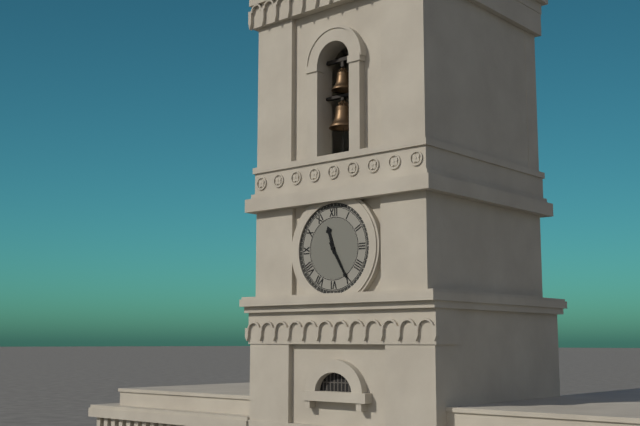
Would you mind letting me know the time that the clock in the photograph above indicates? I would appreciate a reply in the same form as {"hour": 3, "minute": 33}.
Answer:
{"hour": 11, "minute": 25}
